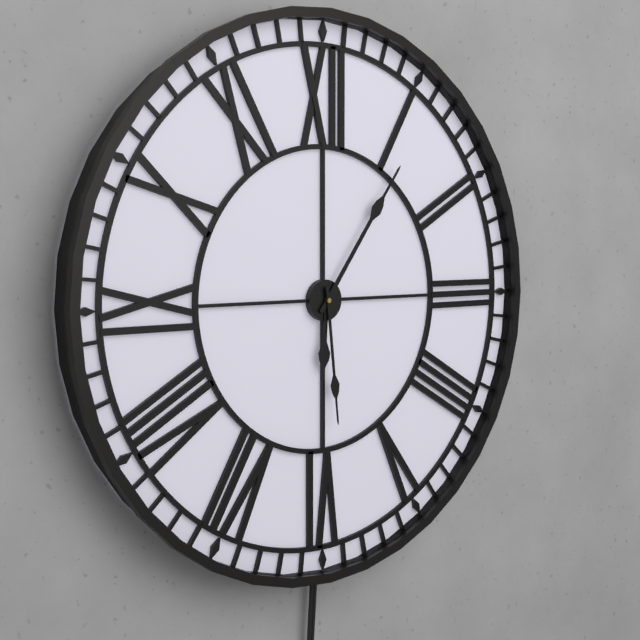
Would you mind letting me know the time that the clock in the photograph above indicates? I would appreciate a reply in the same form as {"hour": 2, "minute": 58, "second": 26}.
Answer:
{"hour": 6, "minute": 6, "second": 29}
